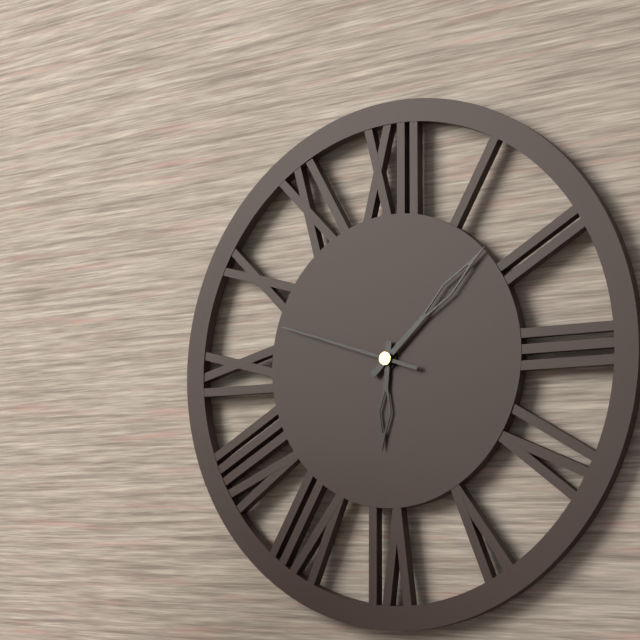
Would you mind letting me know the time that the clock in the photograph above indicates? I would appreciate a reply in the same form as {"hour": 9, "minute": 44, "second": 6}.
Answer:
{"hour": 6, "minute": 8, "second": 48}
